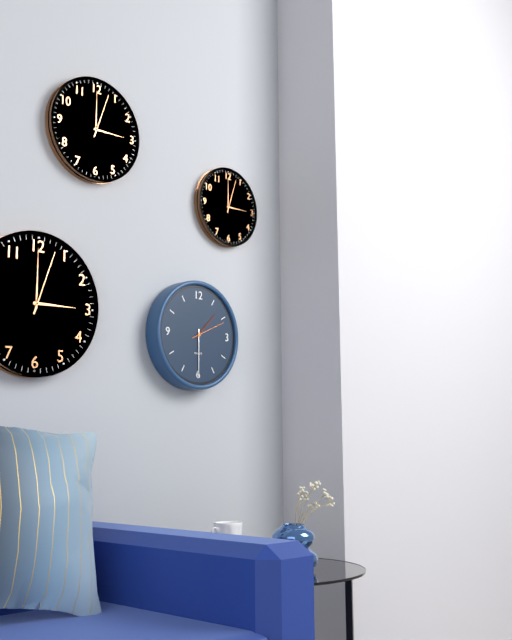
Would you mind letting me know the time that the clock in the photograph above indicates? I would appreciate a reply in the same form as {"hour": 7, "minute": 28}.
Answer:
{"hour": 1, "minute": 30}
